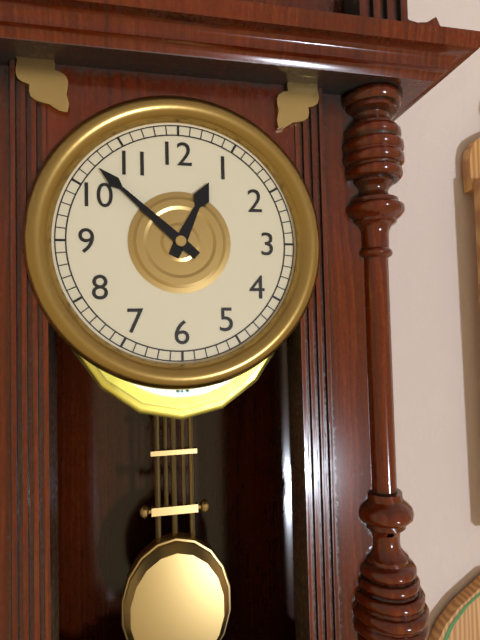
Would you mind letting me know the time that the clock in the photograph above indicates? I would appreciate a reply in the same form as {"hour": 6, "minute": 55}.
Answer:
{"hour": 12, "minute": 52}
